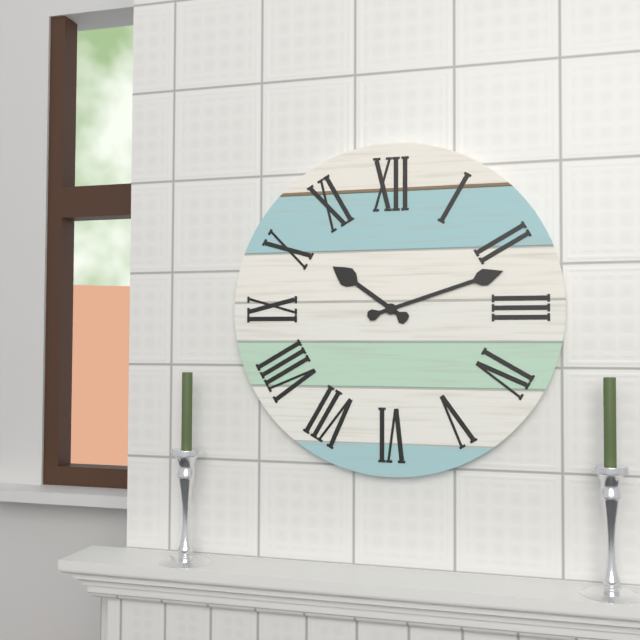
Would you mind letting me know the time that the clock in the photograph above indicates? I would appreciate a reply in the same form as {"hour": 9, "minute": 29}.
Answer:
{"hour": 10, "minute": 12}
